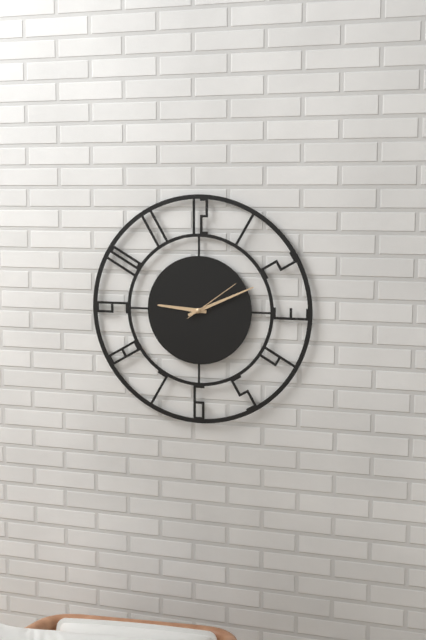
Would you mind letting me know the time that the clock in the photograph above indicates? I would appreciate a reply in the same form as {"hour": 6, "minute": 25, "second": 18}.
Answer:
{"hour": 9, "minute": 11, "second": 9}
